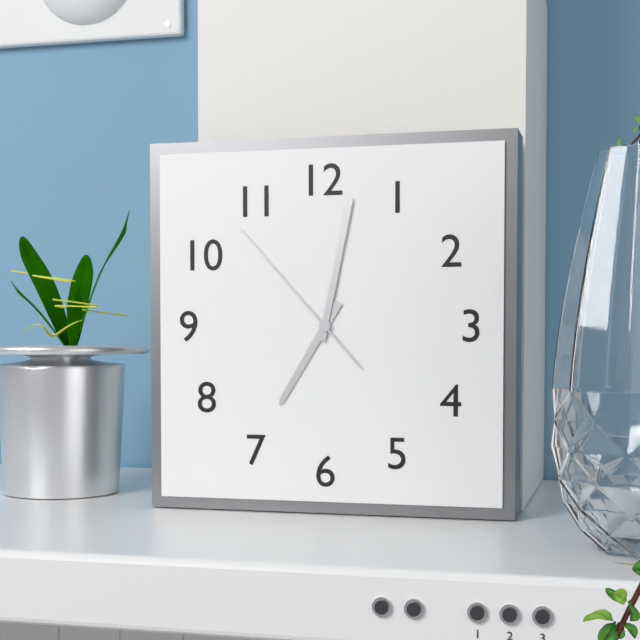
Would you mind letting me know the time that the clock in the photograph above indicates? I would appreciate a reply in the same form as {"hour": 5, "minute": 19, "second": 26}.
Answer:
{"hour": 7, "minute": 2, "second": 53}
